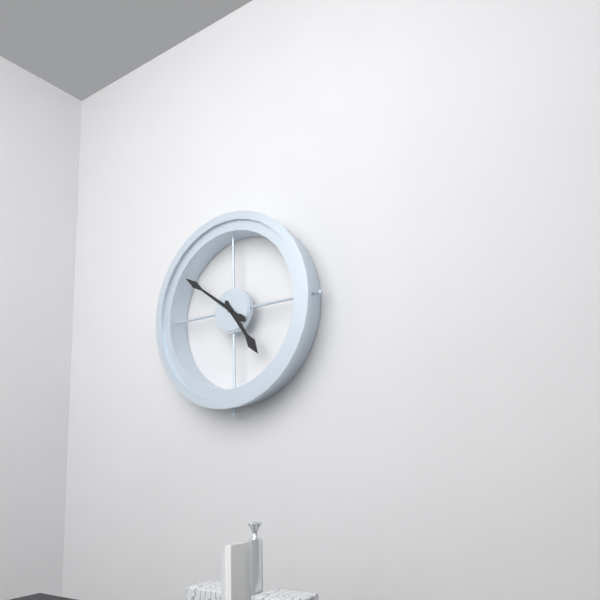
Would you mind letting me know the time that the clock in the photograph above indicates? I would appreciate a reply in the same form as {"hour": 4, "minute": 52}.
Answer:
{"hour": 4, "minute": 51}
